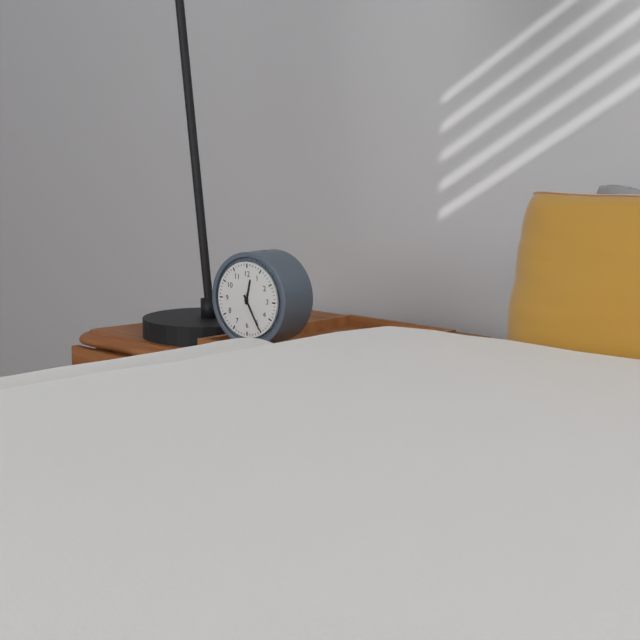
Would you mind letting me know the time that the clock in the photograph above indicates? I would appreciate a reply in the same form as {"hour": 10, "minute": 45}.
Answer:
{"hour": 12, "minute": 25}
